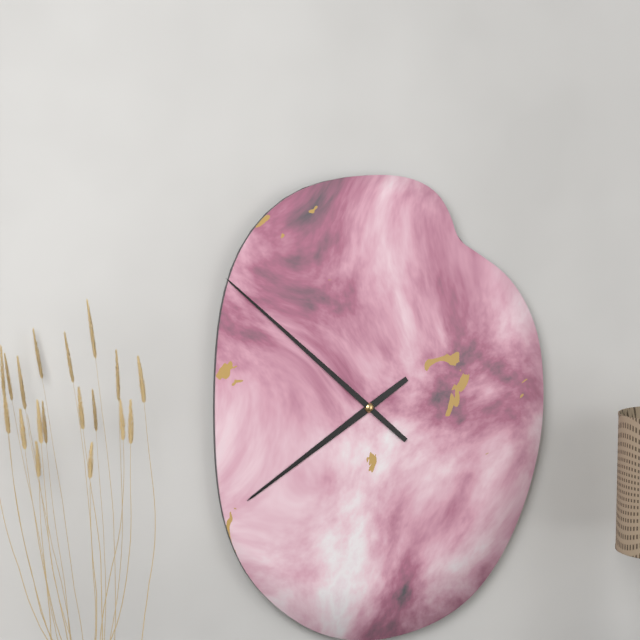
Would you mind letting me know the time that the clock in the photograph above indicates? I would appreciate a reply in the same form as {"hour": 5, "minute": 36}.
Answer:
{"hour": 7, "minute": 52}
